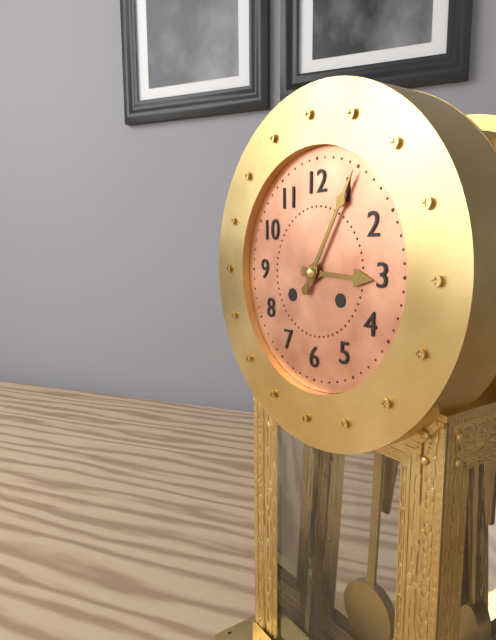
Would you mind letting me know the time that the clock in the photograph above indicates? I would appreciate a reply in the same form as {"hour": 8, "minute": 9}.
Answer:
{"hour": 3, "minute": 5}
